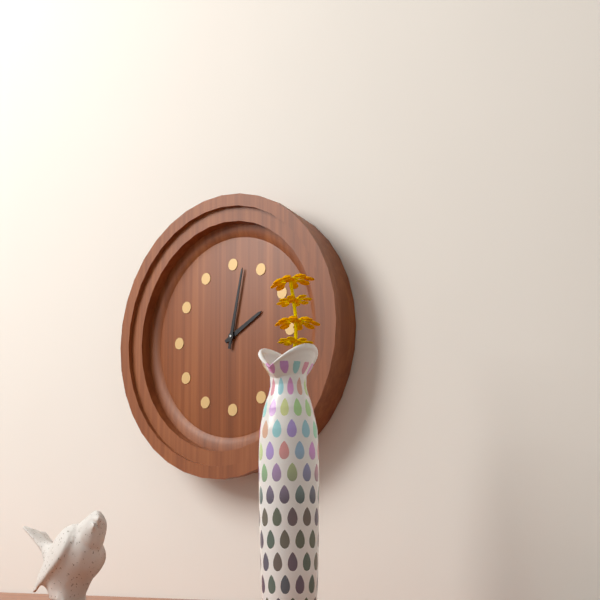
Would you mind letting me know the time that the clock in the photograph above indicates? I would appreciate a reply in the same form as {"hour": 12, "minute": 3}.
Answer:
{"hour": 2, "minute": 2}
